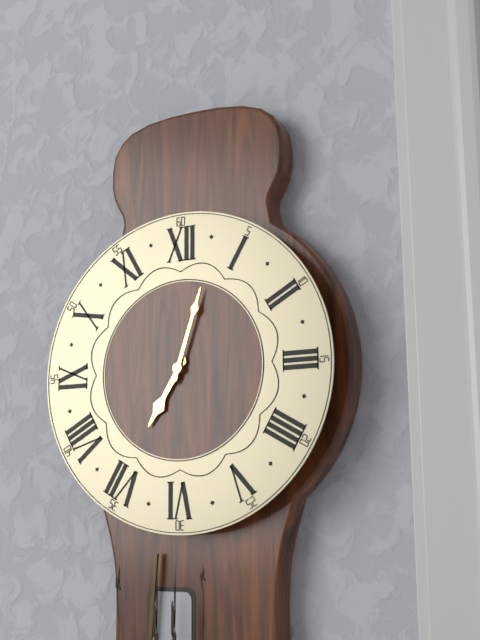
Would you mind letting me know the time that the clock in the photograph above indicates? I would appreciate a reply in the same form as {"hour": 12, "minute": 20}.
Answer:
{"hour": 7, "minute": 3}
